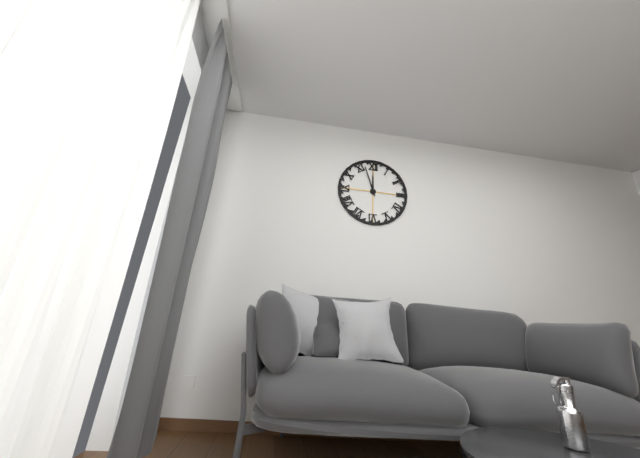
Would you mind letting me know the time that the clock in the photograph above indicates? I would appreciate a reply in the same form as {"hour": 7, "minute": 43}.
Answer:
{"hour": 11, "minute": 57}
